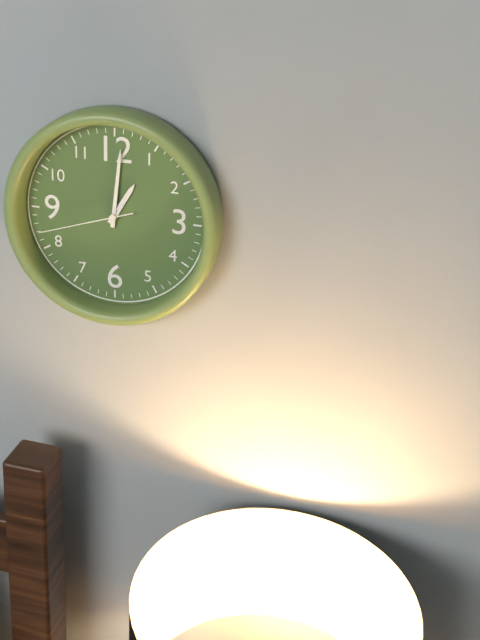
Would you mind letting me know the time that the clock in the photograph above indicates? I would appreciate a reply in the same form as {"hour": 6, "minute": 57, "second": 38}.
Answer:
{"hour": 1, "minute": 1, "second": 42}
